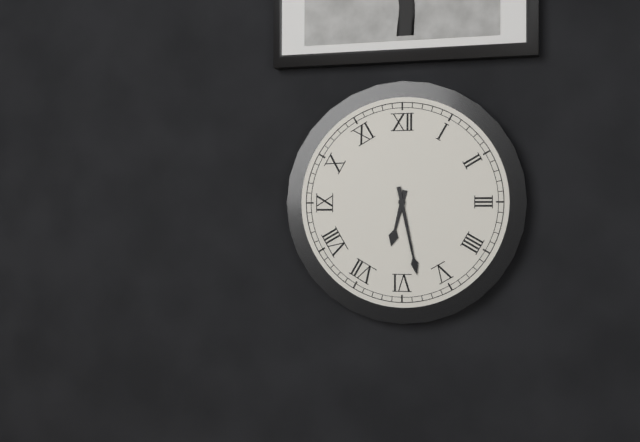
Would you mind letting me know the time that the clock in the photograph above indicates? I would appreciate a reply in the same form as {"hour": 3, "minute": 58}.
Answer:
{"hour": 6, "minute": 28}
